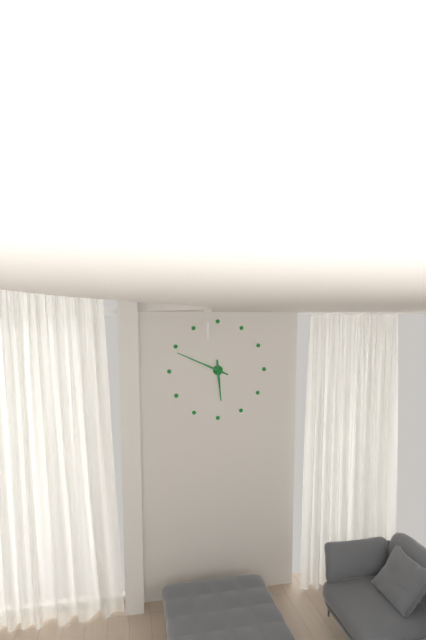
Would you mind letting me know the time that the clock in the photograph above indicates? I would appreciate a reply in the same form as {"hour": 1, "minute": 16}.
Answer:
{"hour": 5, "minute": 49}
